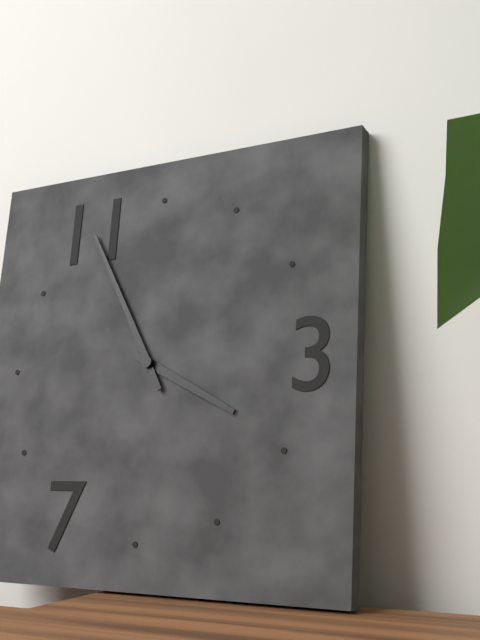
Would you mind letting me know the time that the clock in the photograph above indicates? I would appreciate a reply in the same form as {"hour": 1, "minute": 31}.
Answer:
{"hour": 3, "minute": 55}
